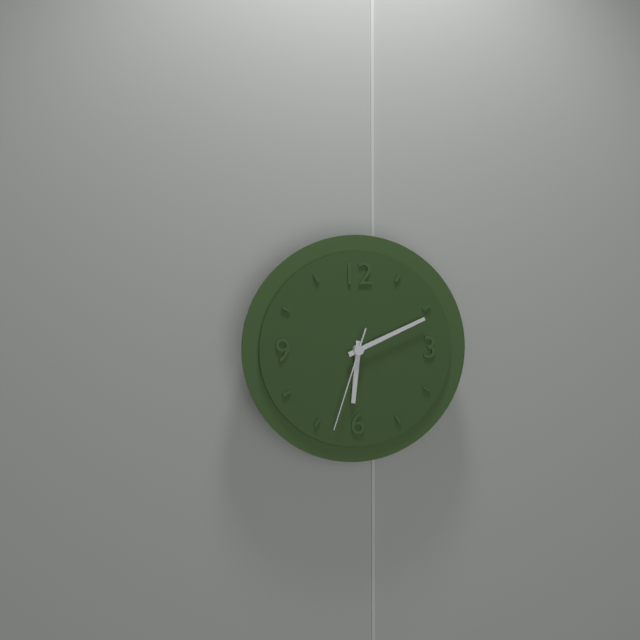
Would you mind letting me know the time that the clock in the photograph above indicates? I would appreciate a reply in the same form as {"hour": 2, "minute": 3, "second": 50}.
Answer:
{"hour": 6, "minute": 11, "second": 33}
